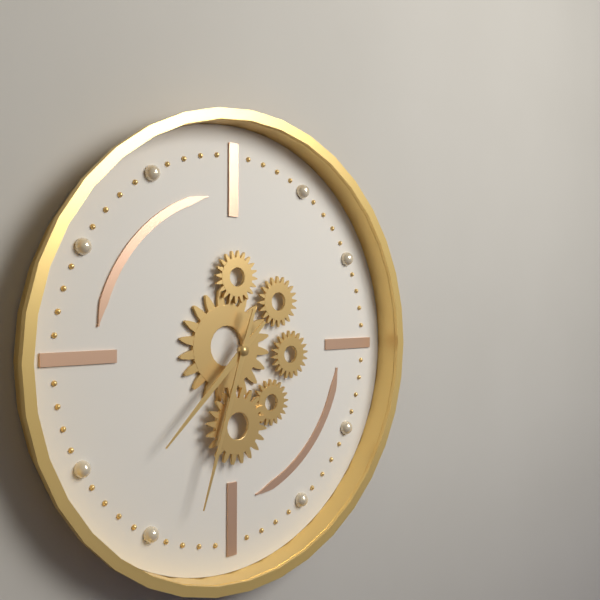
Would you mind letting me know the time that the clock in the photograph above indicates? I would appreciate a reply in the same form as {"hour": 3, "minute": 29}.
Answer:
{"hour": 7, "minute": 33}
